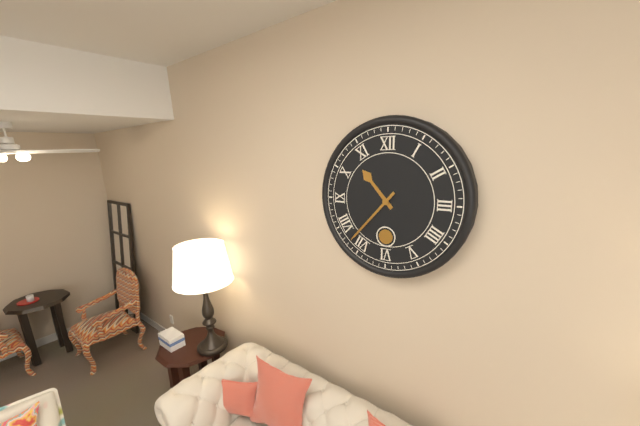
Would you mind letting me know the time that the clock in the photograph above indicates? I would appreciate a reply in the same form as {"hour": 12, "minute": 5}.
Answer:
{"hour": 10, "minute": 37}
